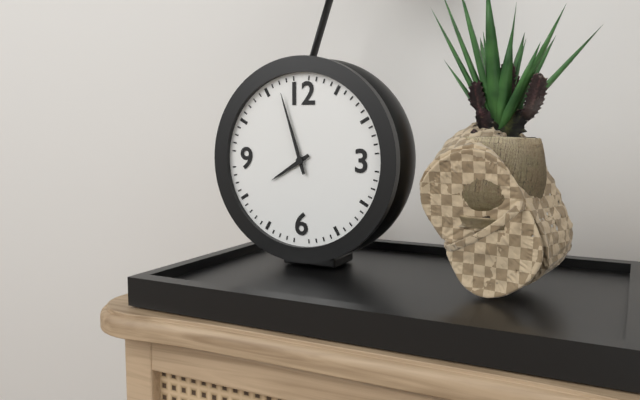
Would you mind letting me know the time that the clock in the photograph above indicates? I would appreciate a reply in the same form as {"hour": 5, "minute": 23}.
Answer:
{"hour": 7, "minute": 57}
